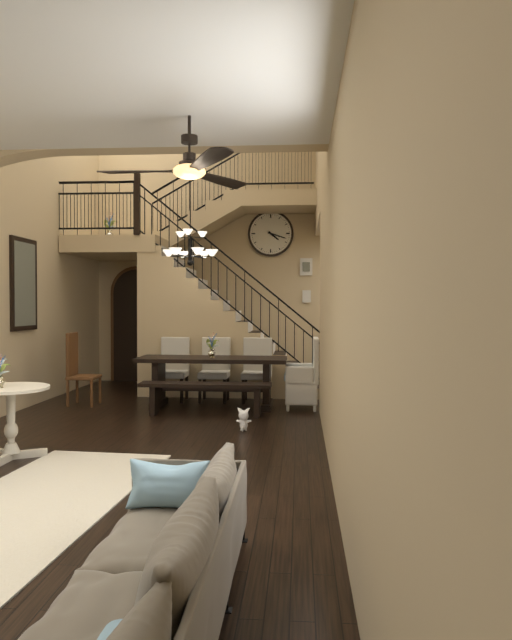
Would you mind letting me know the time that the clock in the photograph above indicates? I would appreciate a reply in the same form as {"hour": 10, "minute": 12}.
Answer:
{"hour": 4, "minute": 18}
